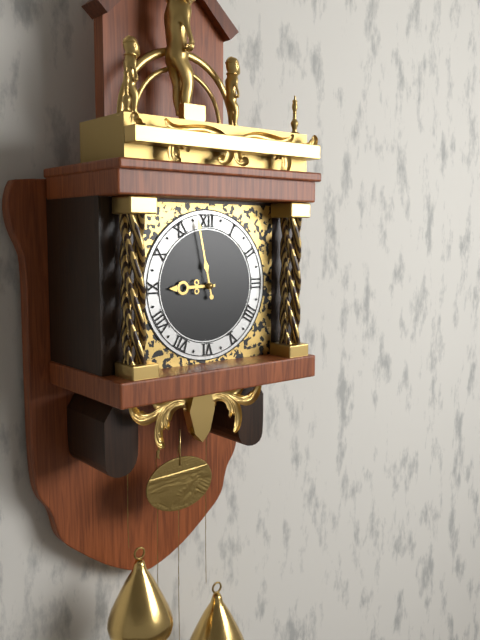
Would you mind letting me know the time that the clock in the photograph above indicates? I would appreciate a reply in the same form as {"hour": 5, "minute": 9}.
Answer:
{"hour": 8, "minute": 58}
